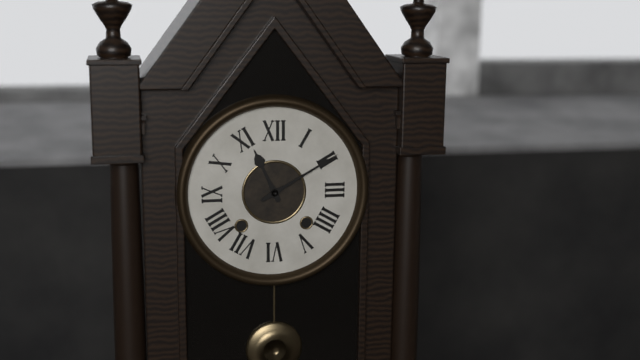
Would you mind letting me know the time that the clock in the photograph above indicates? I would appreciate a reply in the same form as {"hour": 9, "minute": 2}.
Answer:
{"hour": 11, "minute": 10}
